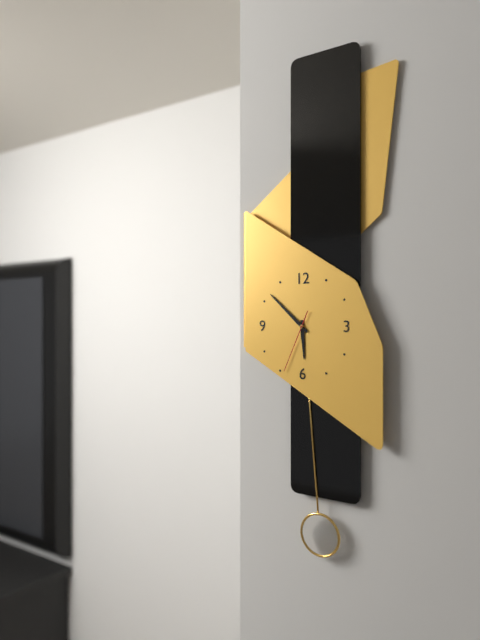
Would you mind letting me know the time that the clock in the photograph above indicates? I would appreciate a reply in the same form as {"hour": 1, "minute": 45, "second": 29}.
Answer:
{"hour": 5, "minute": 52, "second": 34}
